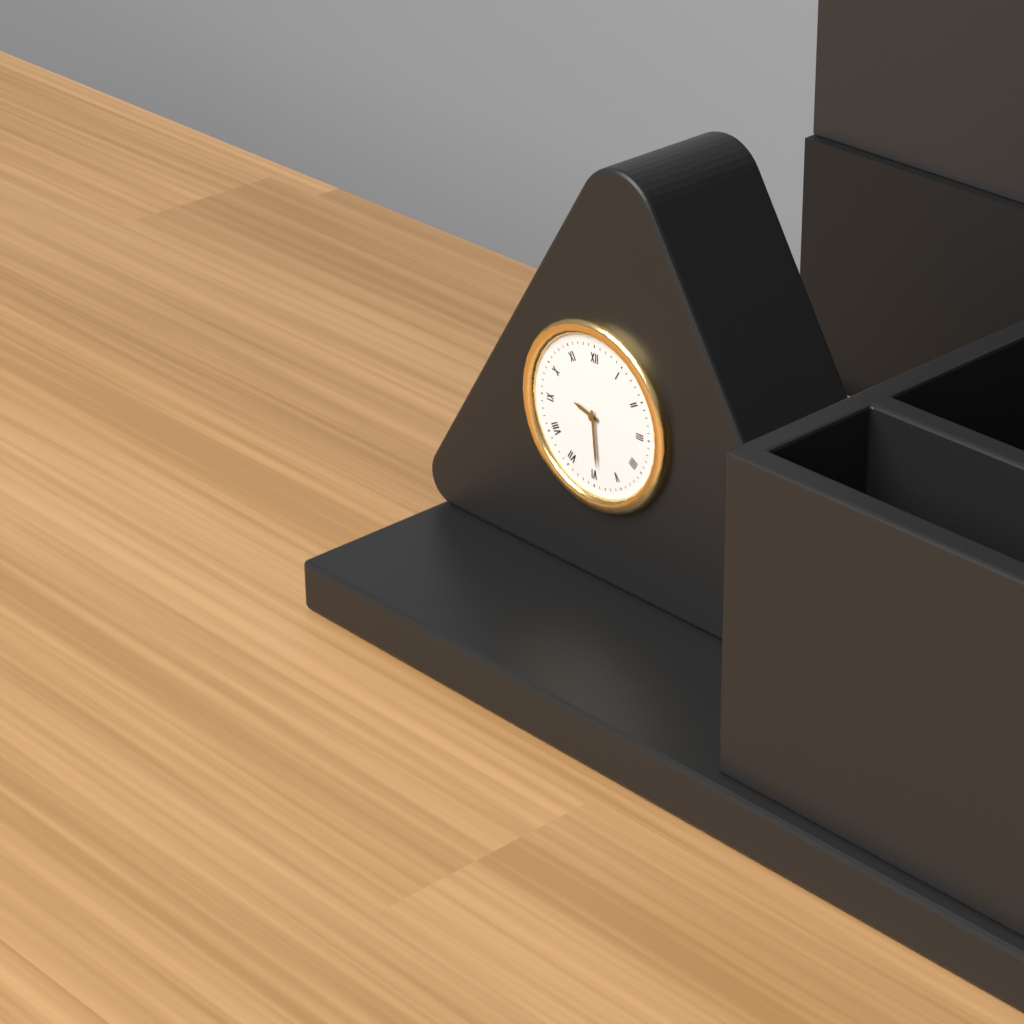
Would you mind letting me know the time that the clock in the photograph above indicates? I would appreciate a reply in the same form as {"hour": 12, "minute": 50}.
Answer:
{"hour": 9, "minute": 29}
